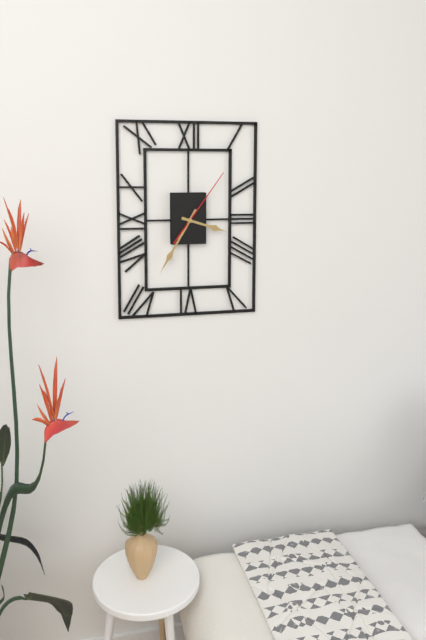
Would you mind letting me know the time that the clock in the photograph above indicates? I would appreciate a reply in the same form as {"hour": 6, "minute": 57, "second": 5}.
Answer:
{"hour": 3, "minute": 35, "second": 6}
